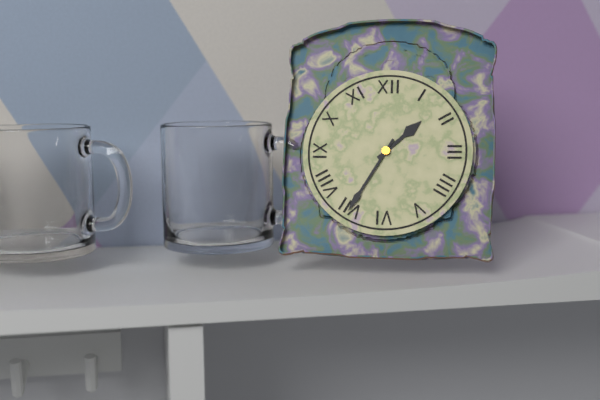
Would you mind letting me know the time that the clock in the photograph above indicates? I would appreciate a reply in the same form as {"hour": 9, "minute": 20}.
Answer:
{"hour": 1, "minute": 35}
